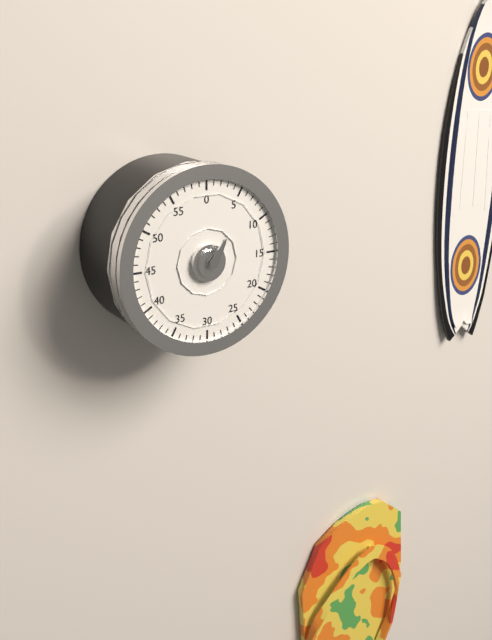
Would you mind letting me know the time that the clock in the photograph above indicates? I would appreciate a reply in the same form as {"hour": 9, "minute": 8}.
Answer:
{"hour": 1, "minute": 5}
